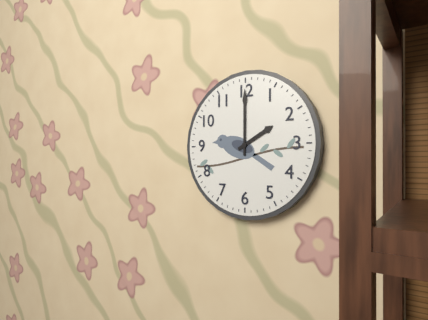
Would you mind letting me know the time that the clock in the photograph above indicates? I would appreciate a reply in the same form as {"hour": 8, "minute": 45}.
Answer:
{"hour": 2, "minute": 0}
